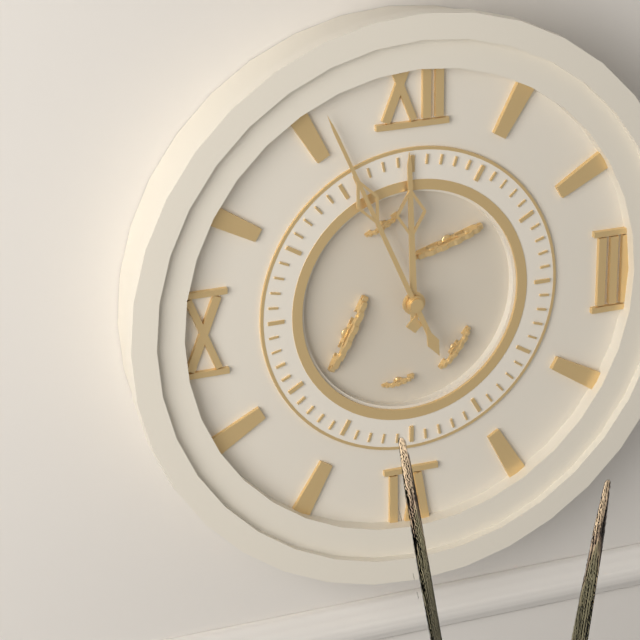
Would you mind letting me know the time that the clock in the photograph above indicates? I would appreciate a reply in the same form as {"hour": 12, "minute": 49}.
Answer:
{"hour": 11, "minute": 56}
